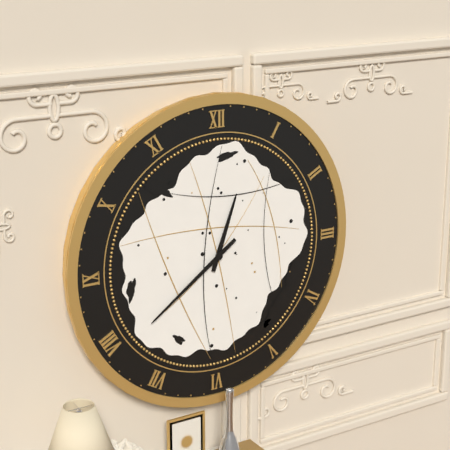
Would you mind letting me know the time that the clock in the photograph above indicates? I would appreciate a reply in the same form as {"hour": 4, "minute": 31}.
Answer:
{"hour": 12, "minute": 39}
